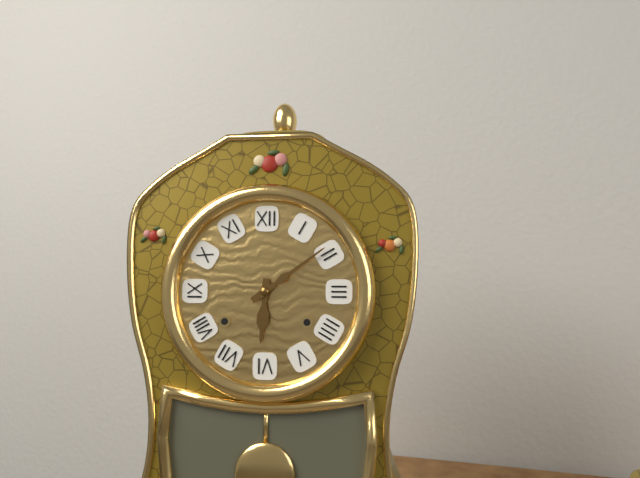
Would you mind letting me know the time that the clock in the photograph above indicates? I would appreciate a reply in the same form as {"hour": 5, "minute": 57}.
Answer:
{"hour": 6, "minute": 9}
